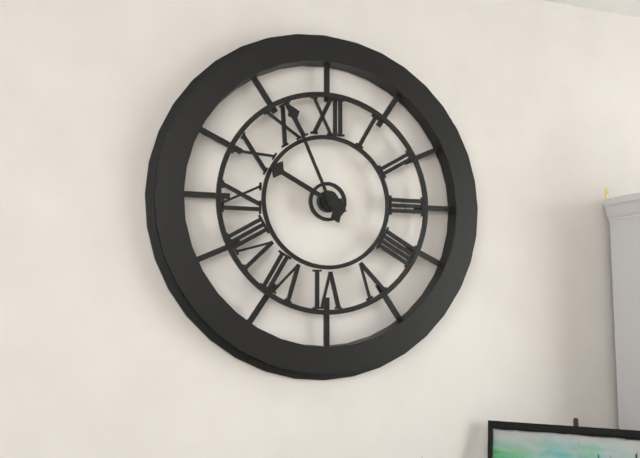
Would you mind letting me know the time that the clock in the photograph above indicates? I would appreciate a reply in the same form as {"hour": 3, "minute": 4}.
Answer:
{"hour": 9, "minute": 56}
